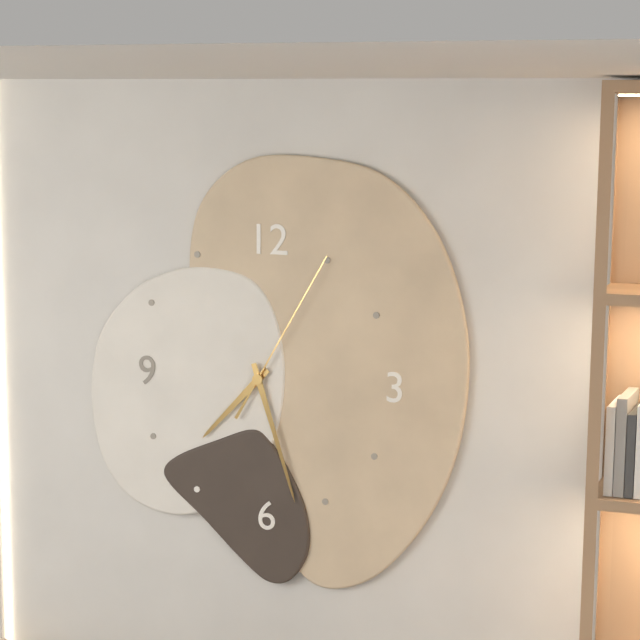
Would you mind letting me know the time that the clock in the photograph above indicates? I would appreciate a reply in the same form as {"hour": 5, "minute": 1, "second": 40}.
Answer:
{"hour": 7, "minute": 27, "second": 5}
